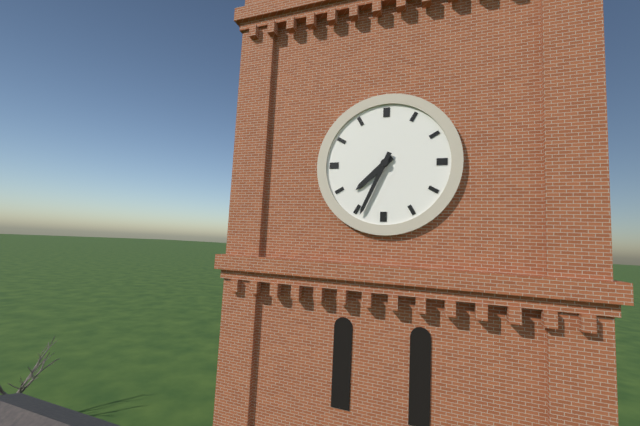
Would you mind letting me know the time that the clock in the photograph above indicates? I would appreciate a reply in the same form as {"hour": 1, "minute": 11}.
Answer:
{"hour": 7, "minute": 34}
